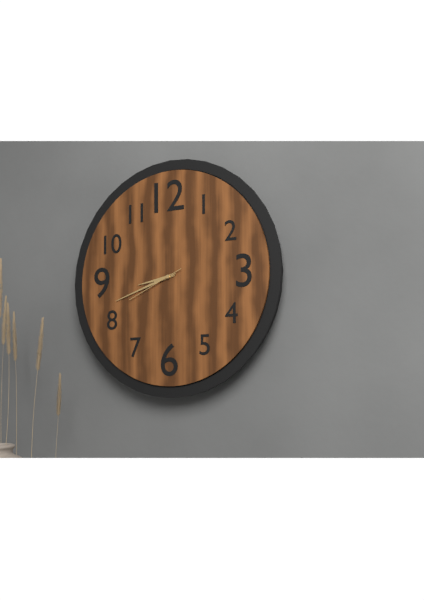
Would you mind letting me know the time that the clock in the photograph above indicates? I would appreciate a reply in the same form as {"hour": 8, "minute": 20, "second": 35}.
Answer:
{"hour": 8, "minute": 42, "second": 41}
